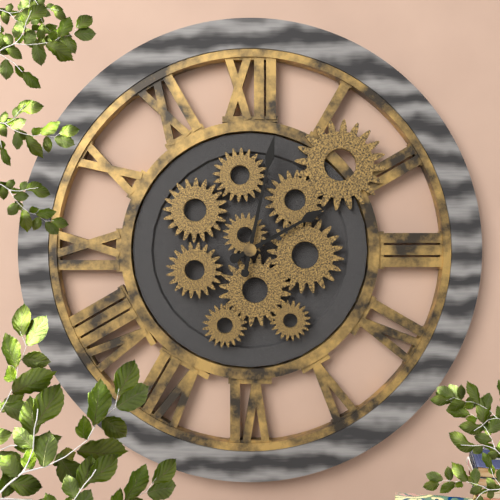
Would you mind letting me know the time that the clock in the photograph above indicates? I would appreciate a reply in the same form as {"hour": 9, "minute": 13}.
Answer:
{"hour": 2, "minute": 2}
